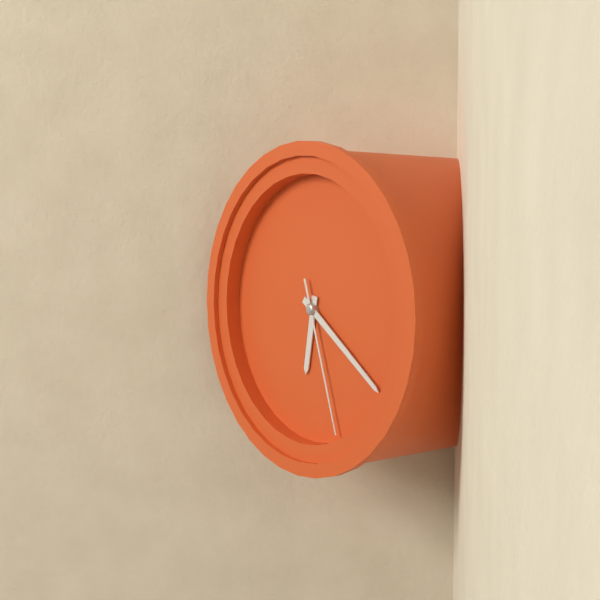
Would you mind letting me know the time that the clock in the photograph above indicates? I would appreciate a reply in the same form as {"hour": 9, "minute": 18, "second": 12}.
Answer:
{"hour": 6, "minute": 21, "second": 27}
